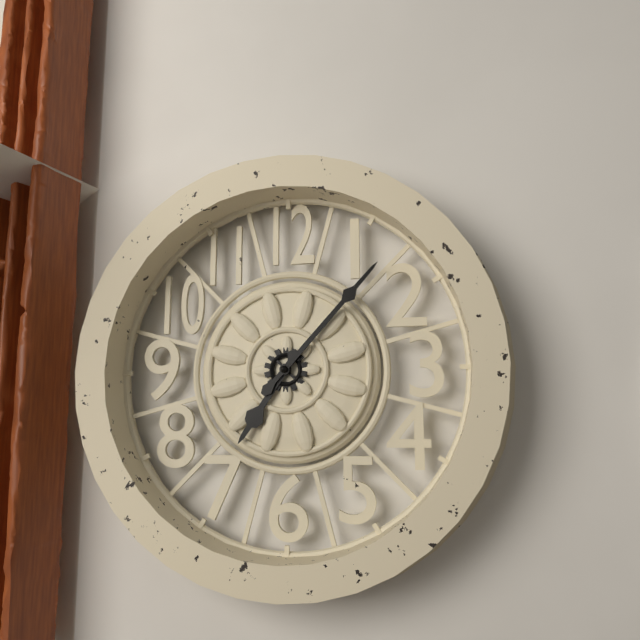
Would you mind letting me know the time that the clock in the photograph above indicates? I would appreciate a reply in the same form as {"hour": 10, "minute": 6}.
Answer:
{"hour": 7, "minute": 7}
